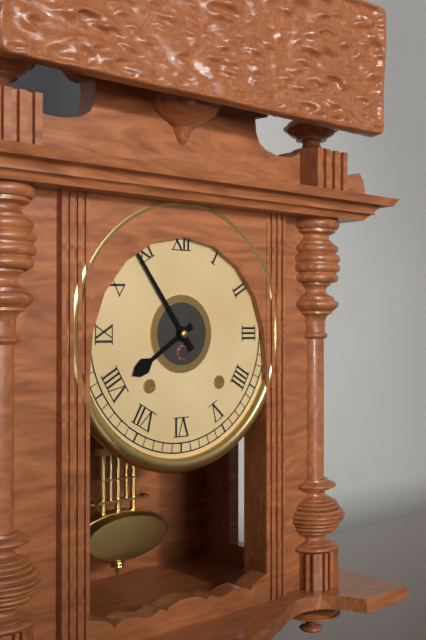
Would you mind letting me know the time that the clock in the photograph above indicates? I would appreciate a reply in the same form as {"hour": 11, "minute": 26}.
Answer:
{"hour": 7, "minute": 54}
